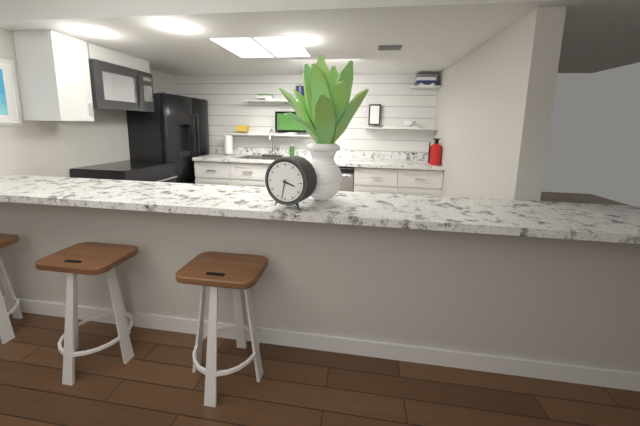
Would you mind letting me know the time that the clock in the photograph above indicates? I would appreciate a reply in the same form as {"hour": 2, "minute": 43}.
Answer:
{"hour": 3, "minute": 32}
